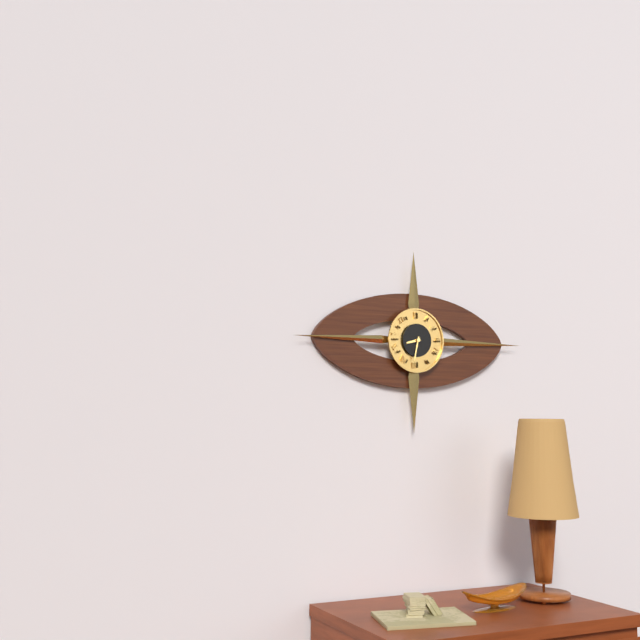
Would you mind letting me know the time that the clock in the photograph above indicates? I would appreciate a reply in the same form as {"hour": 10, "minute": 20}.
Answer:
{"hour": 8, "minute": 32}
